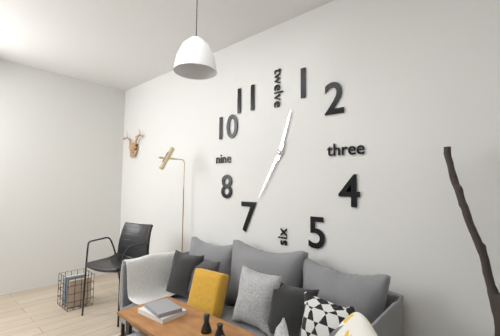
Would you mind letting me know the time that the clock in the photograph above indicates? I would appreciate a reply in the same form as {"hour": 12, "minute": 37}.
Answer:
{"hour": 12, "minute": 35}
